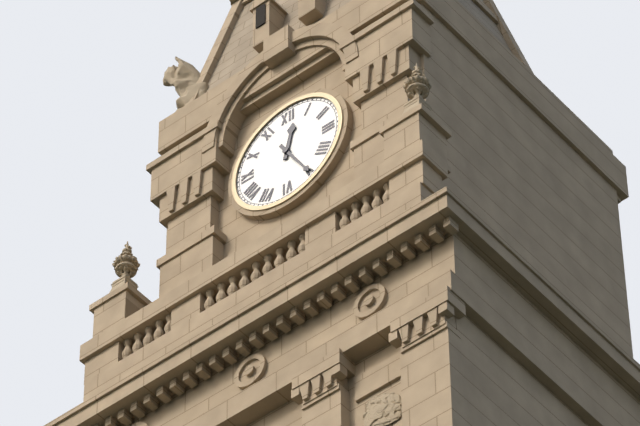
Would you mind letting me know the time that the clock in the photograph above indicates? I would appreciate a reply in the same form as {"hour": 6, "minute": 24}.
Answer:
{"hour": 12, "minute": 25}
